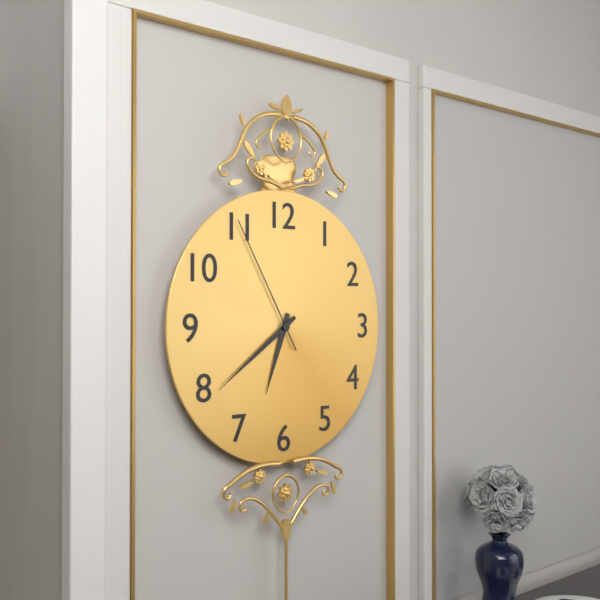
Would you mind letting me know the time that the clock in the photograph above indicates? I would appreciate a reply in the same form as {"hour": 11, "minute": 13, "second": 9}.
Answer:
{"hour": 6, "minute": 39, "second": 55}
